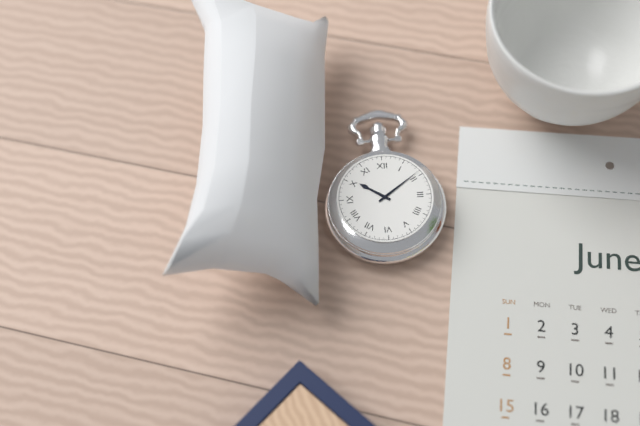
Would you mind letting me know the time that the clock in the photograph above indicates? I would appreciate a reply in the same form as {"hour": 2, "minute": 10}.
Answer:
{"hour": 10, "minute": 9}
